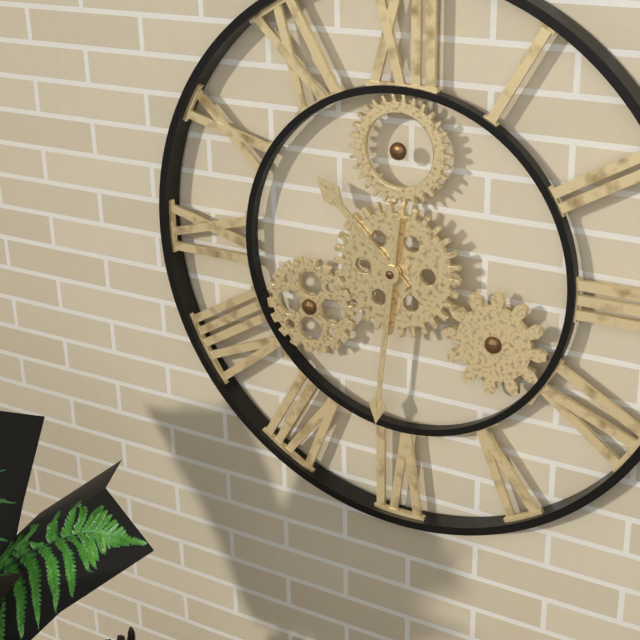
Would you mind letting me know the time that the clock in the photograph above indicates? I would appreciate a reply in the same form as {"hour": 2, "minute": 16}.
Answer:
{"hour": 10, "minute": 31}
